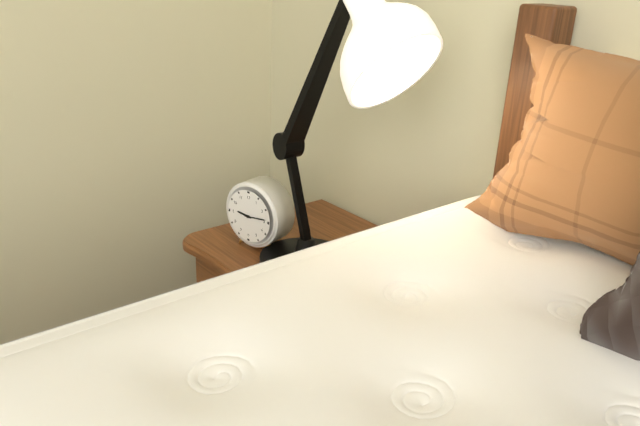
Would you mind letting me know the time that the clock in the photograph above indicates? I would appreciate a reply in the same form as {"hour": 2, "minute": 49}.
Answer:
{"hour": 9, "minute": 14}
